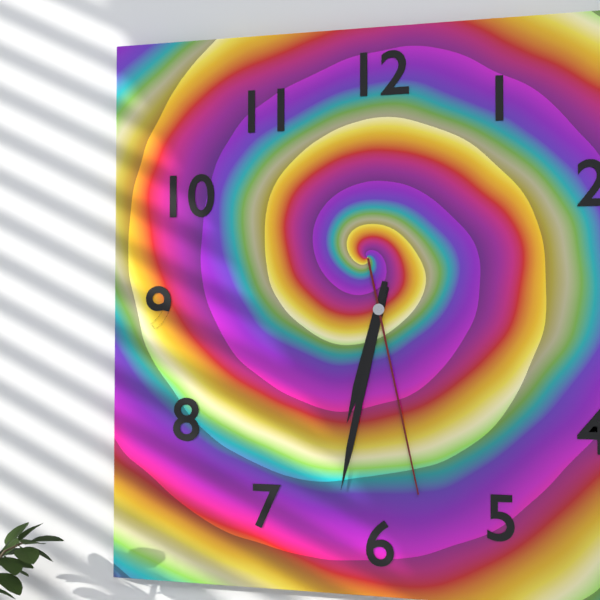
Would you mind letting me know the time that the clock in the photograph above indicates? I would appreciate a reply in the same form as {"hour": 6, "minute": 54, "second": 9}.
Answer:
{"hour": 6, "minute": 32, "second": 28}
